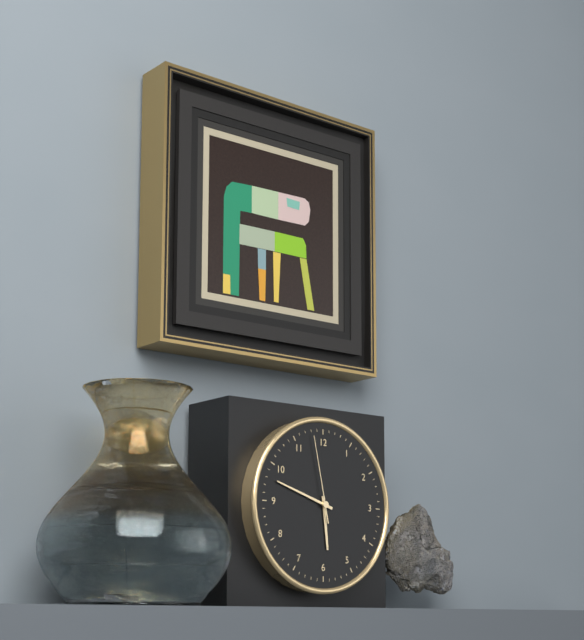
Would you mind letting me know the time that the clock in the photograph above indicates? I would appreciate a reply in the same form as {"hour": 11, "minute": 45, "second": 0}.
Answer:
{"hour": 5, "minute": 48, "second": 58}
